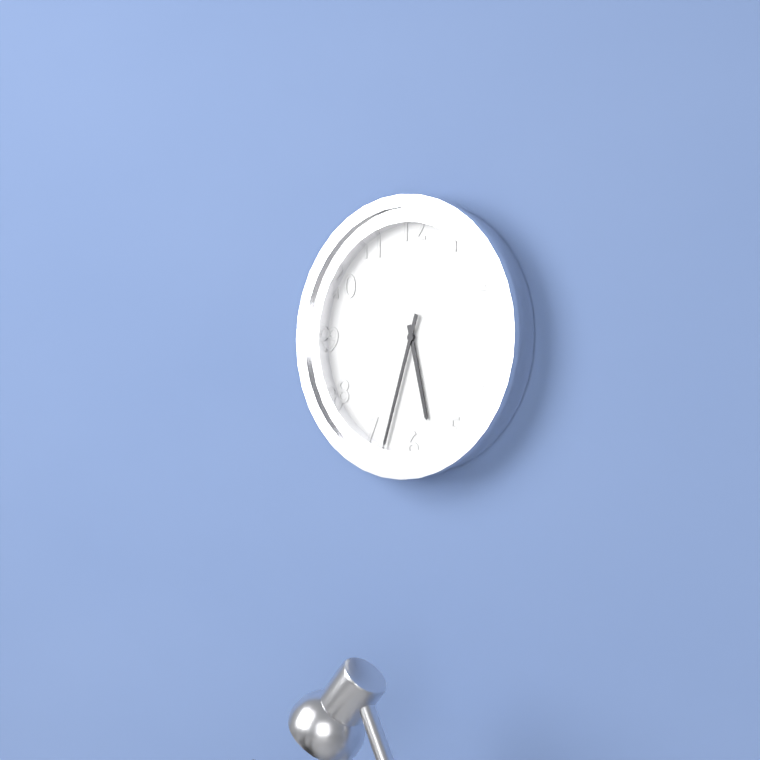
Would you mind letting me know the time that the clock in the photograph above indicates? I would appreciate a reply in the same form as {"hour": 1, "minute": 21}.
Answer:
{"hour": 5, "minute": 33}
